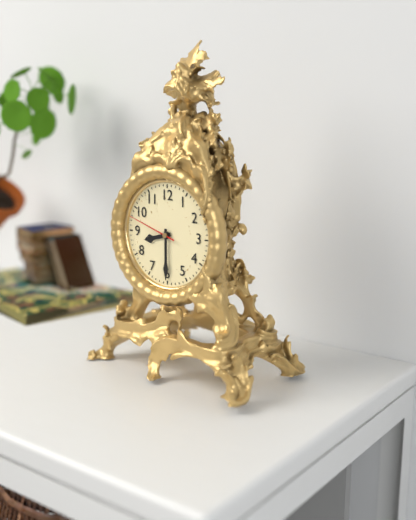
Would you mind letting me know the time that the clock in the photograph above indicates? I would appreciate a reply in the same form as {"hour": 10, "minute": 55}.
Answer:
{"hour": 8, "minute": 30}
